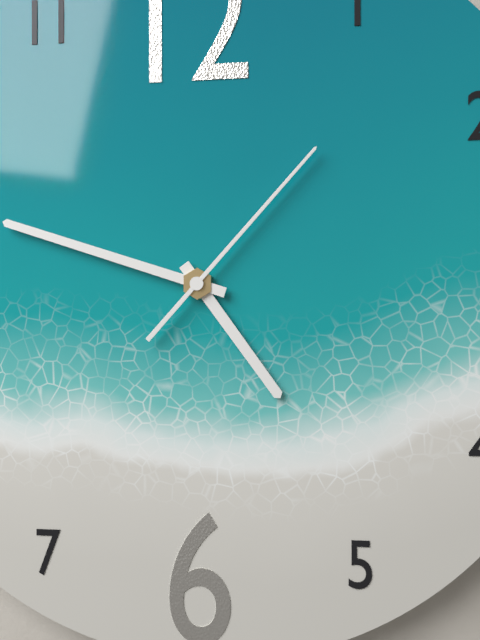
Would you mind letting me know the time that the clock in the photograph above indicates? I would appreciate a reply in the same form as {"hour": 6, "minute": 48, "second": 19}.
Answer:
{"hour": 4, "minute": 48, "second": 7}
